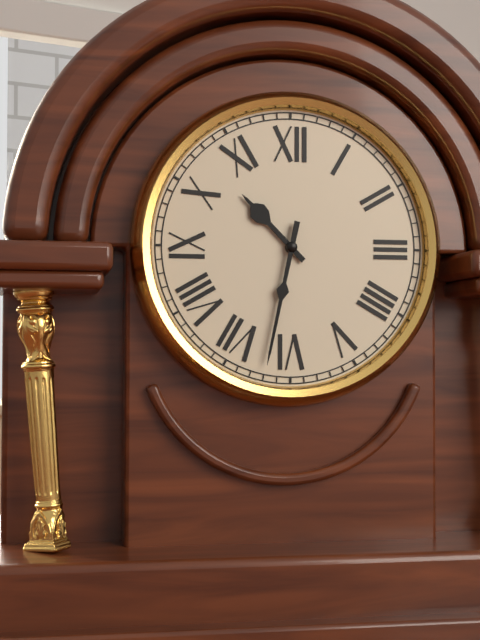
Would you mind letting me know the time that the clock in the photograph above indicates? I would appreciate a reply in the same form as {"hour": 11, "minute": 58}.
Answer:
{"hour": 10, "minute": 32}
